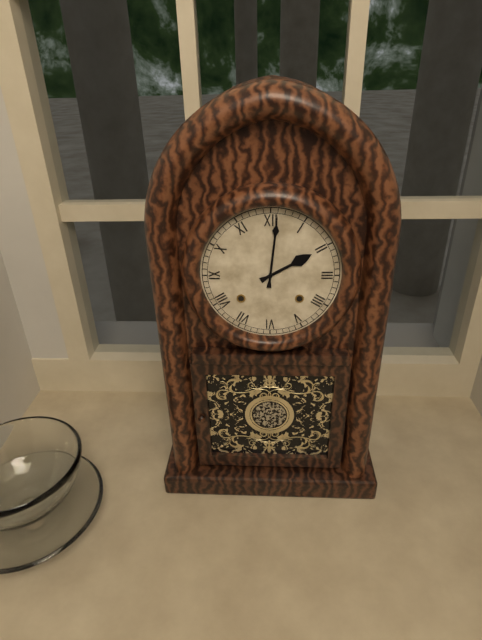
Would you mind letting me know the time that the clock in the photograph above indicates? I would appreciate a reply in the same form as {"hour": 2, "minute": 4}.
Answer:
{"hour": 2, "minute": 1}
